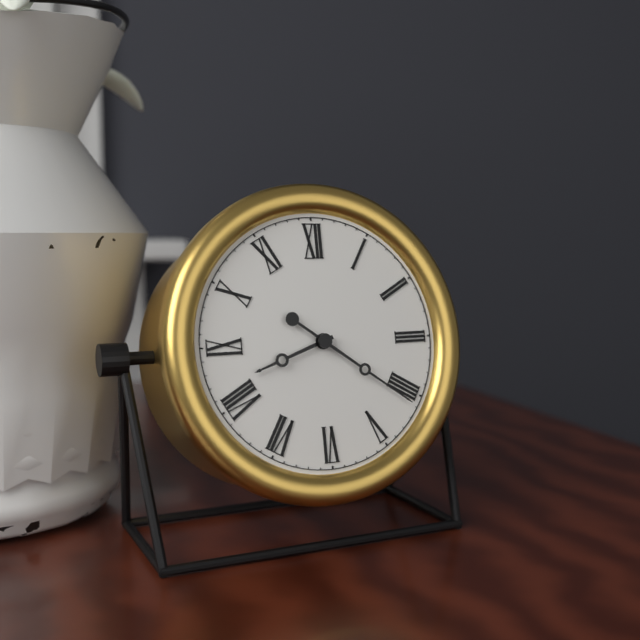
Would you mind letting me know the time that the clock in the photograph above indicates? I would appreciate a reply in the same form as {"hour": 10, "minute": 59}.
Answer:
{"hour": 8, "minute": 21}
